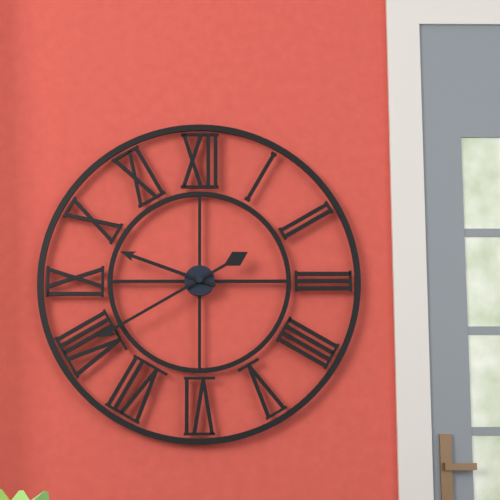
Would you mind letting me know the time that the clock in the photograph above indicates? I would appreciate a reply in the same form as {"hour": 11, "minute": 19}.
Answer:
{"hour": 9, "minute": 40}
